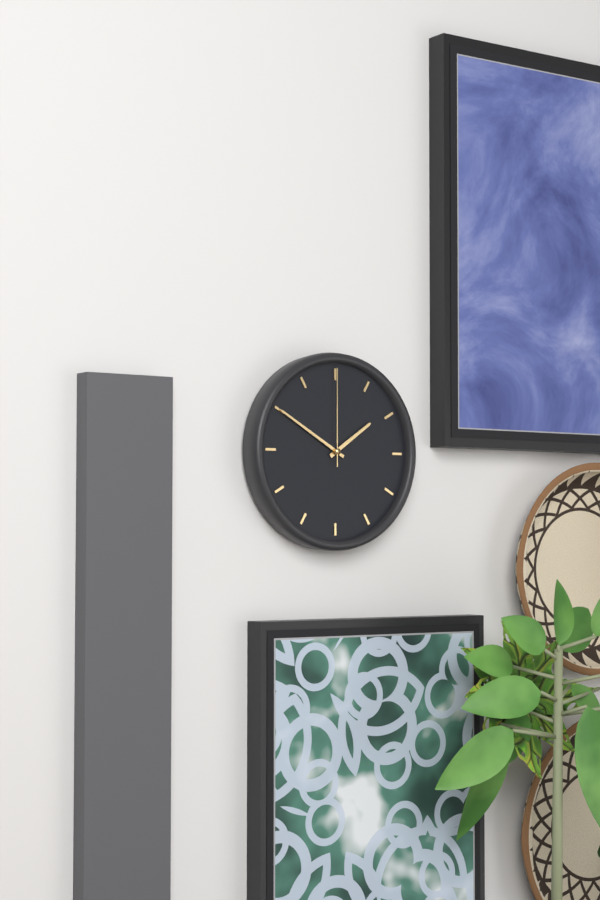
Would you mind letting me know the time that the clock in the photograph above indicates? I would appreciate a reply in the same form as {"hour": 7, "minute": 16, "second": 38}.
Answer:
{"hour": 1, "minute": 50, "second": 0}
